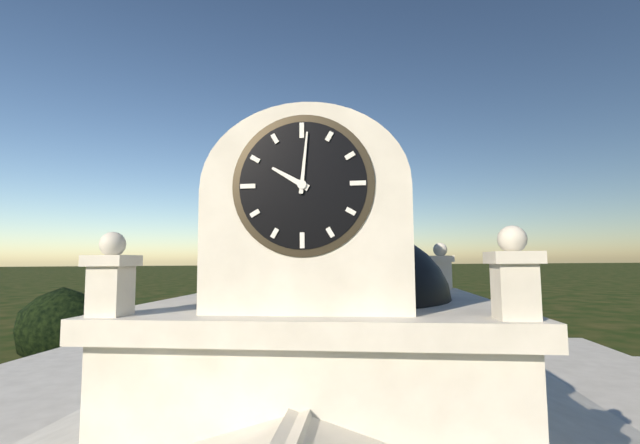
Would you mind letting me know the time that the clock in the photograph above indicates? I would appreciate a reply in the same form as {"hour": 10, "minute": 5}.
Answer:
{"hour": 10, "minute": 1}
